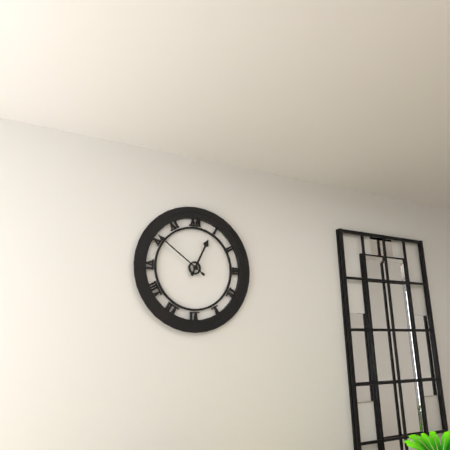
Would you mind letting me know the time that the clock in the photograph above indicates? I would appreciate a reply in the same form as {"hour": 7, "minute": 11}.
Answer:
{"hour": 12, "minute": 51}
